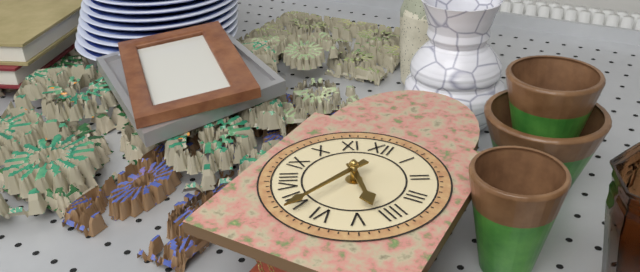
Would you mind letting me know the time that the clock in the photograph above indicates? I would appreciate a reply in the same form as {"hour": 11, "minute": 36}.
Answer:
{"hour": 4, "minute": 33}
